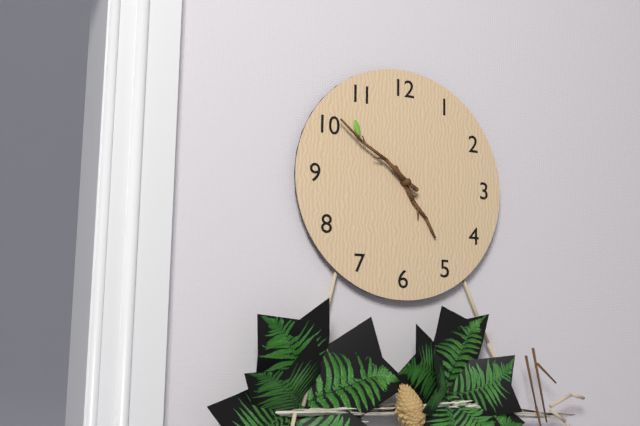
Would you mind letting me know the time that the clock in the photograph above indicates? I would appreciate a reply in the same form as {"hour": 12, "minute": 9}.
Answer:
{"hour": 4, "minute": 51}
